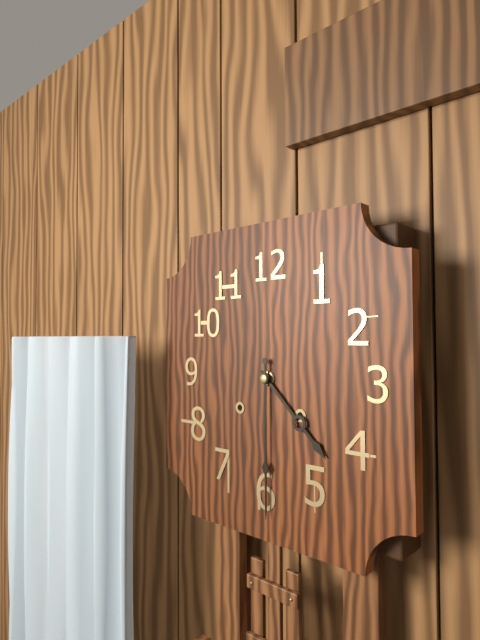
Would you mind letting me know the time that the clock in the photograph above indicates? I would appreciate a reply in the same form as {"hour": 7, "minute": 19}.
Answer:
{"hour": 4, "minute": 30}
